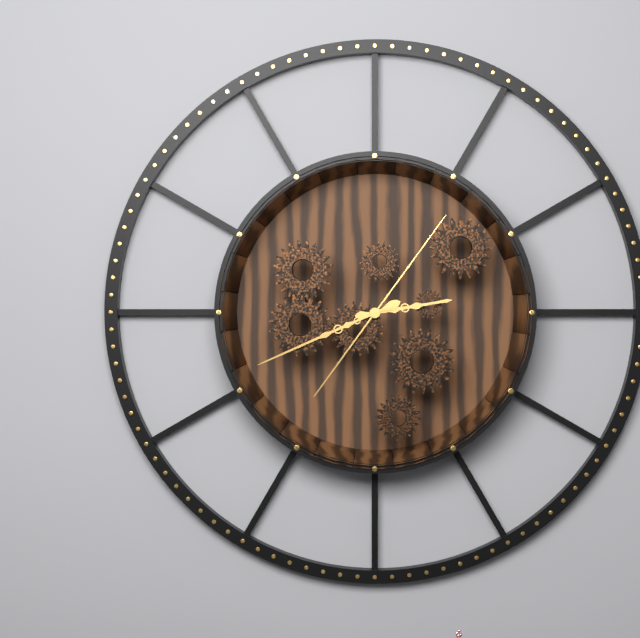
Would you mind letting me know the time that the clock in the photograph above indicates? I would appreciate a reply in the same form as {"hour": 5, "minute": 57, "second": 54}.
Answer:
{"hour": 2, "minute": 41, "second": 6}
